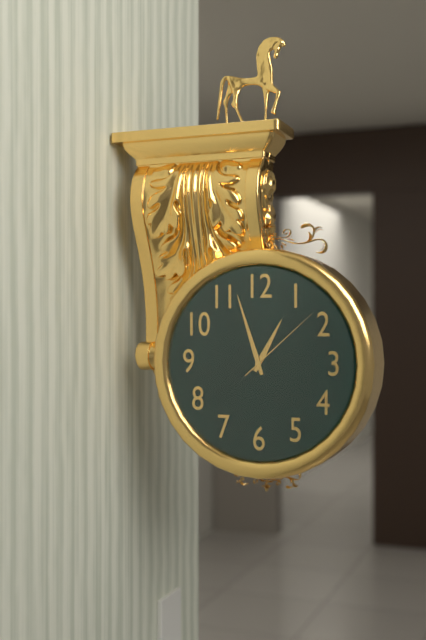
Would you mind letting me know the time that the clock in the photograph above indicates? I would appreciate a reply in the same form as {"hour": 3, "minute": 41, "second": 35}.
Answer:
{"hour": 12, "minute": 57, "second": 8}
